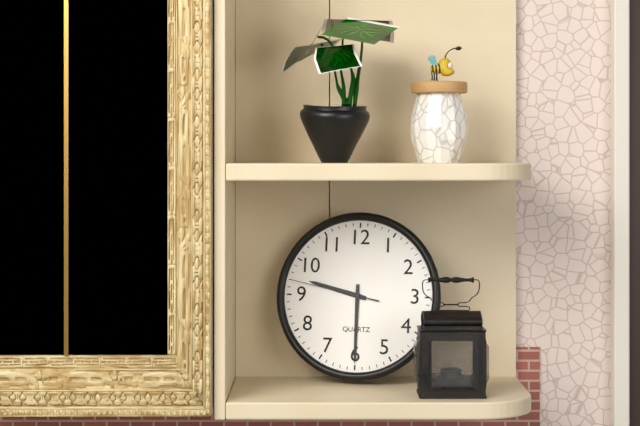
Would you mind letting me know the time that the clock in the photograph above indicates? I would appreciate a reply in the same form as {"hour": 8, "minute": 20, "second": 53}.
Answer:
{"hour": 9, "minute": 30, "second": 47}
